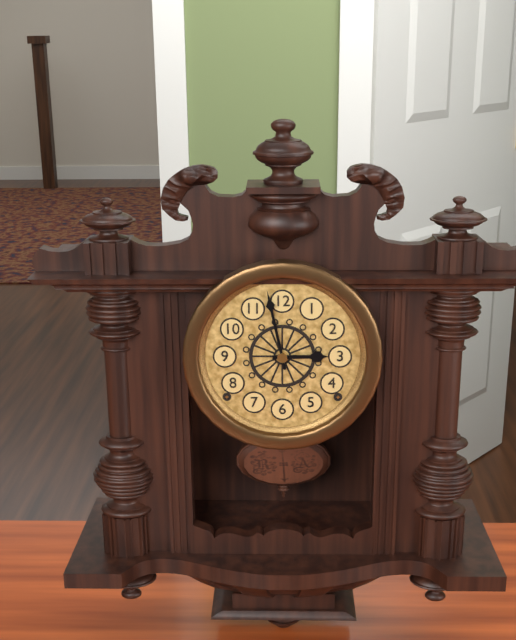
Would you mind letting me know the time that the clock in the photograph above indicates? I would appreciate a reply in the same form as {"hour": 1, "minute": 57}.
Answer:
{"hour": 2, "minute": 58}
